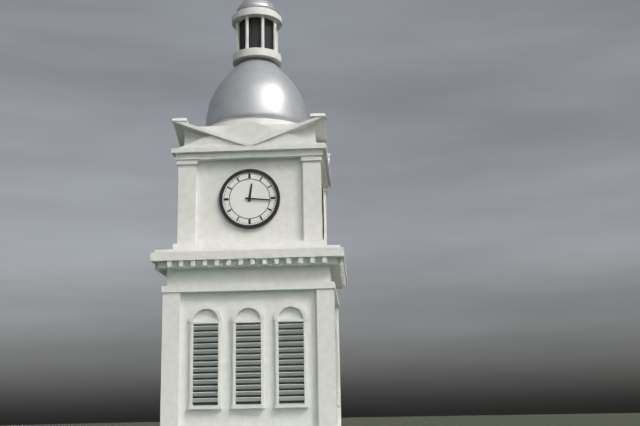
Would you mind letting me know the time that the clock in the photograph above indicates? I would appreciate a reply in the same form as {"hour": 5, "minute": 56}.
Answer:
{"hour": 12, "minute": 16}
